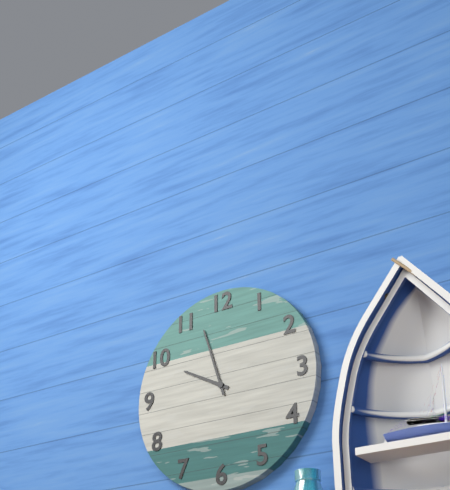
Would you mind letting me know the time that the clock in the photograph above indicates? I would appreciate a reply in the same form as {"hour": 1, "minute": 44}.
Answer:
{"hour": 9, "minute": 57}
